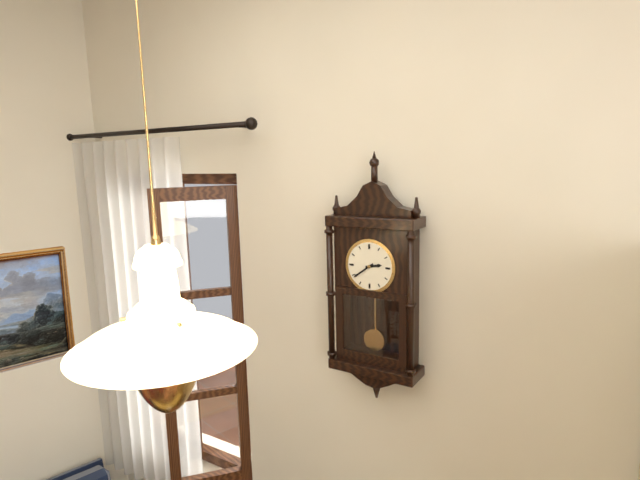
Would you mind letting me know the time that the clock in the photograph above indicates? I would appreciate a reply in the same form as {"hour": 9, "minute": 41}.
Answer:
{"hour": 2, "minute": 39}
